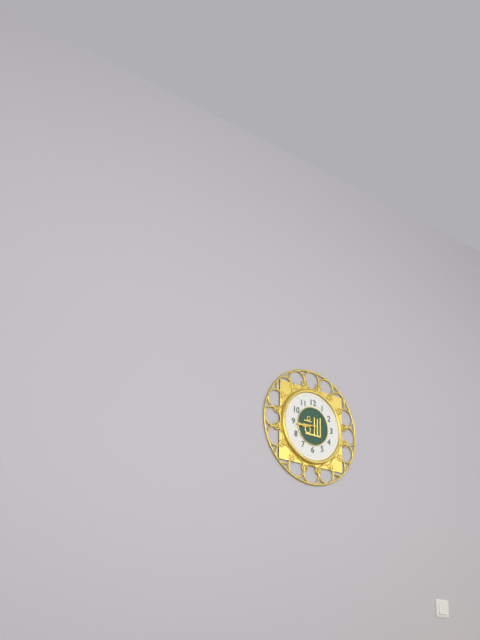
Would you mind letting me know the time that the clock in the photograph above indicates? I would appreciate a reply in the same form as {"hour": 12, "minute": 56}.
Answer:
{"hour": 8, "minute": 44}
